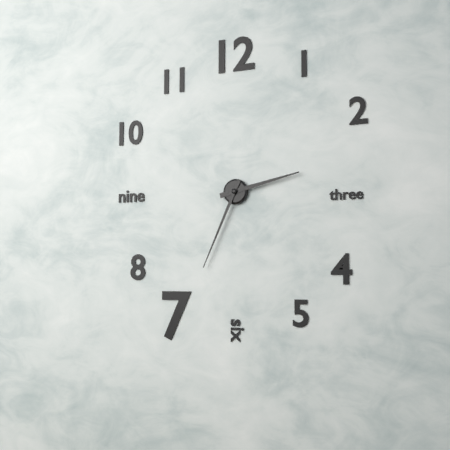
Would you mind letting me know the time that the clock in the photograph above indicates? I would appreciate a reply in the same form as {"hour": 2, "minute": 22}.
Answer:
{"hour": 2, "minute": 34}
